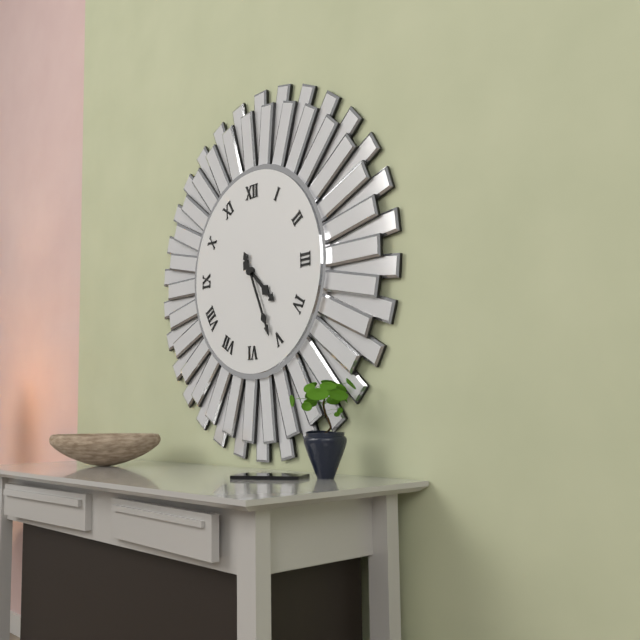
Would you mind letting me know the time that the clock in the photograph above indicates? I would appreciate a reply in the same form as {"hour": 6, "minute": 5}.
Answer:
{"hour": 4, "minute": 26}
